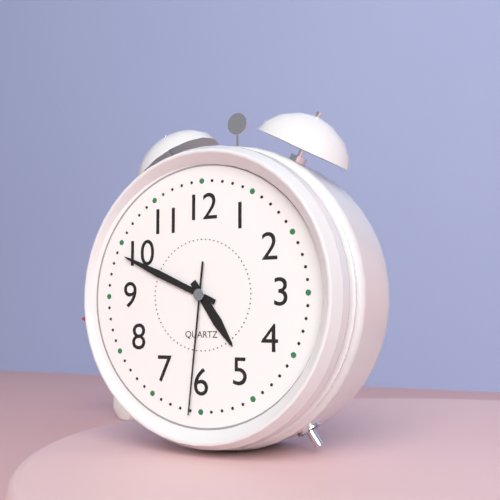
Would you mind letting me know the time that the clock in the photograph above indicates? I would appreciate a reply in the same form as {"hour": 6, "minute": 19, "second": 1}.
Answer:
{"hour": 4, "minute": 49, "second": 31}
